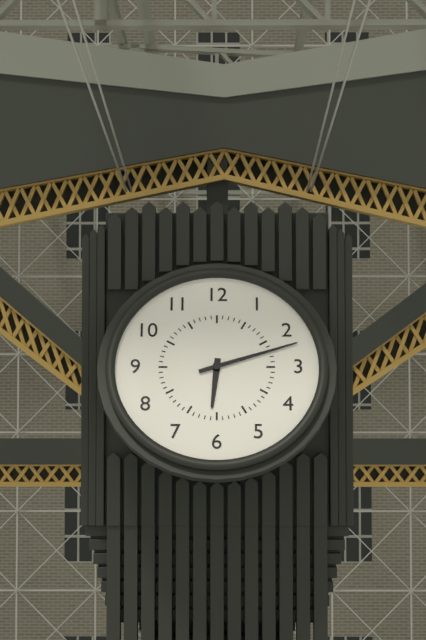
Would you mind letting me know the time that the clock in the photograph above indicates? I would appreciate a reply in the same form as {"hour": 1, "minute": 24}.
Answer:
{"hour": 6, "minute": 12}
